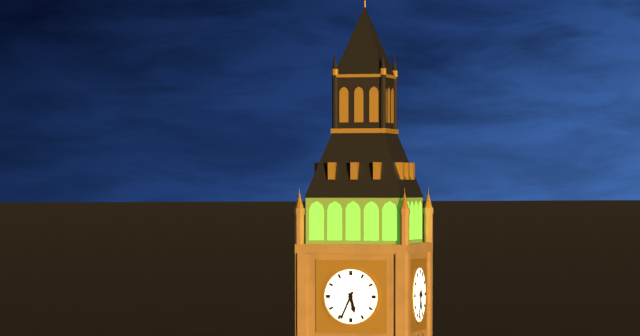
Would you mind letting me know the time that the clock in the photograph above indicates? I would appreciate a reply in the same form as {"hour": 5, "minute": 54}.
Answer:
{"hour": 5, "minute": 34}
